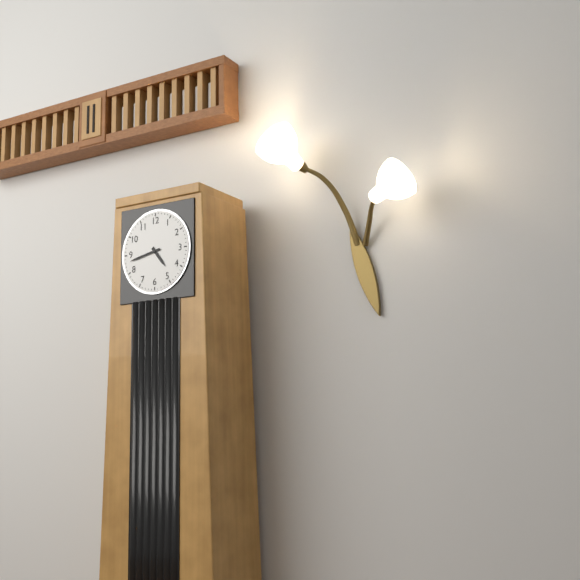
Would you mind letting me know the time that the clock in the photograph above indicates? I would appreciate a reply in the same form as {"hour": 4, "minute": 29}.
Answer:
{"hour": 4, "minute": 43}
